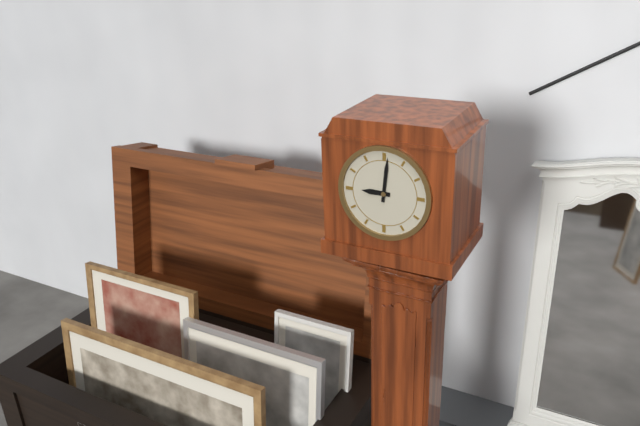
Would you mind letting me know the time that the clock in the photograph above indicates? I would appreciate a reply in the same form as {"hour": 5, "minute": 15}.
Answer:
{"hour": 9, "minute": 1}
